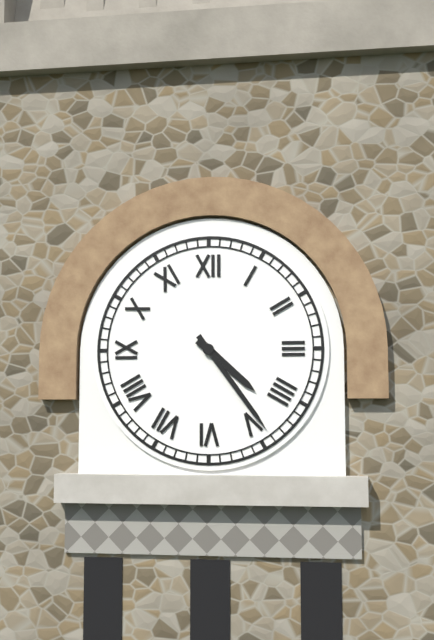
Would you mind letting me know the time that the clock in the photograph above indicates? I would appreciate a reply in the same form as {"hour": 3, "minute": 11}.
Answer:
{"hour": 4, "minute": 24}
